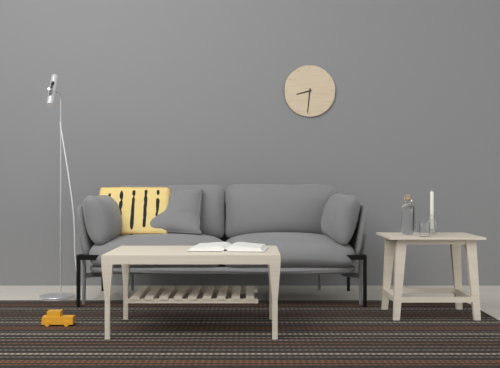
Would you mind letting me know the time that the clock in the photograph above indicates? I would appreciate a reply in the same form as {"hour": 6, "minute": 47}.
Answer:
{"hour": 8, "minute": 31}
